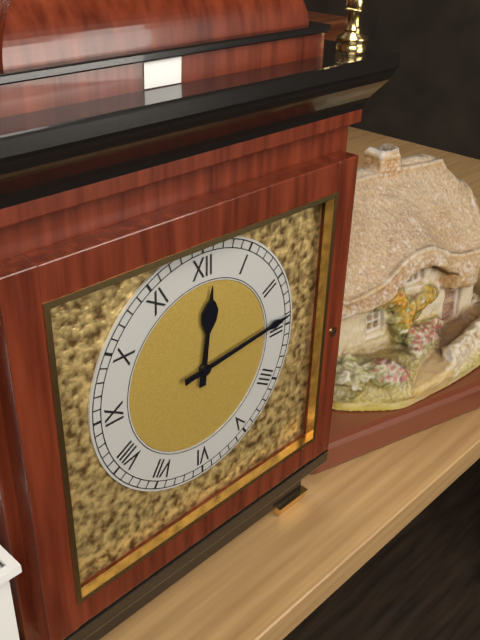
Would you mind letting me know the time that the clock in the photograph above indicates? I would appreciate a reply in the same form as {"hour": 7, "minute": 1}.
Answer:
{"hour": 12, "minute": 14}
